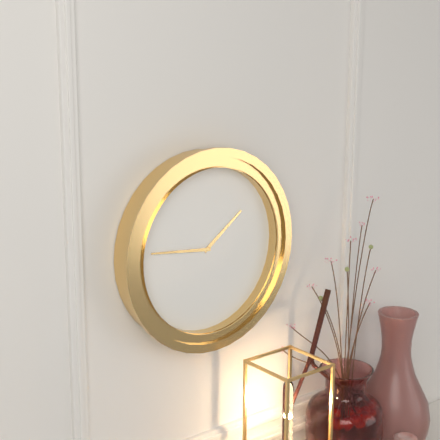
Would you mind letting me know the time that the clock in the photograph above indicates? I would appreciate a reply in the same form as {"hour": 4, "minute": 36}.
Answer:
{"hour": 1, "minute": 46}
